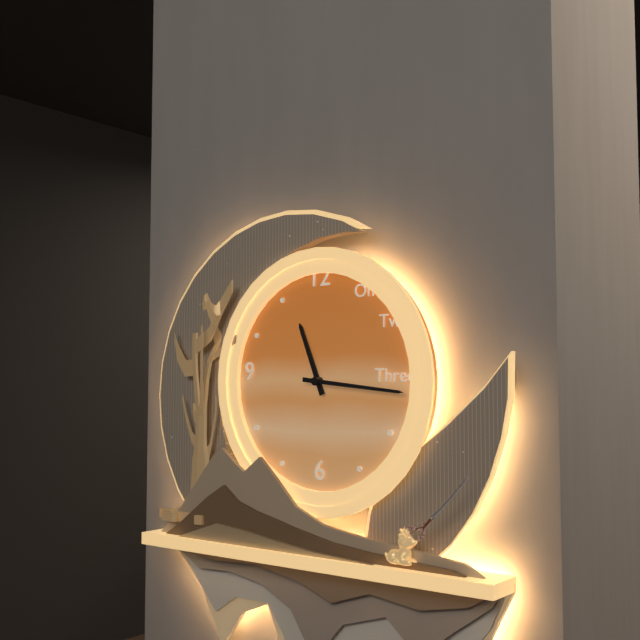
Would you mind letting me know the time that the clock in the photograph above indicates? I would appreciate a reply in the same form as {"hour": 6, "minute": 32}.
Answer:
{"hour": 11, "minute": 16}
